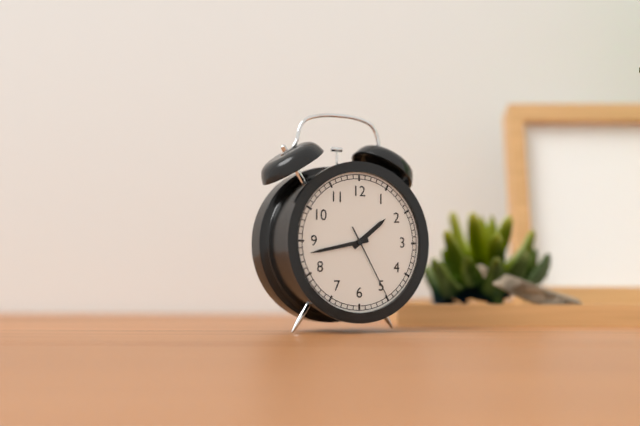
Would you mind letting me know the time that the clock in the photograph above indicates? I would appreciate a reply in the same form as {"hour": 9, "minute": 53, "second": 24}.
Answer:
{"hour": 1, "minute": 43, "second": 25}
